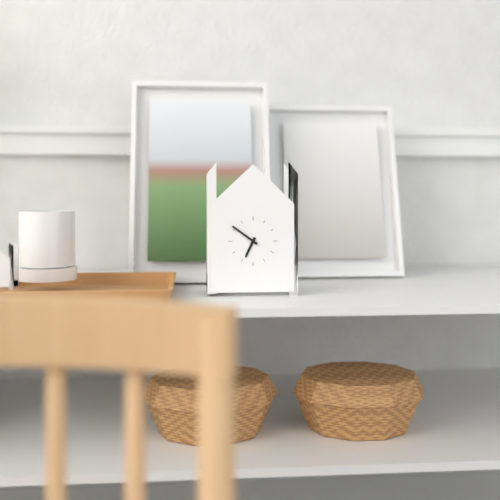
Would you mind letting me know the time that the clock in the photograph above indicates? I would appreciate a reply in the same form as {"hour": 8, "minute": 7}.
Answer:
{"hour": 6, "minute": 51}
